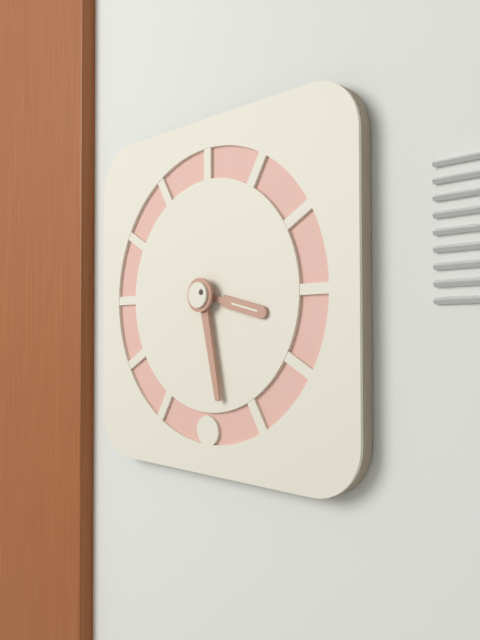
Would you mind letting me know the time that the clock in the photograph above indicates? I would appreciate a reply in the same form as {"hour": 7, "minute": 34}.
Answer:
{"hour": 3, "minute": 28}
